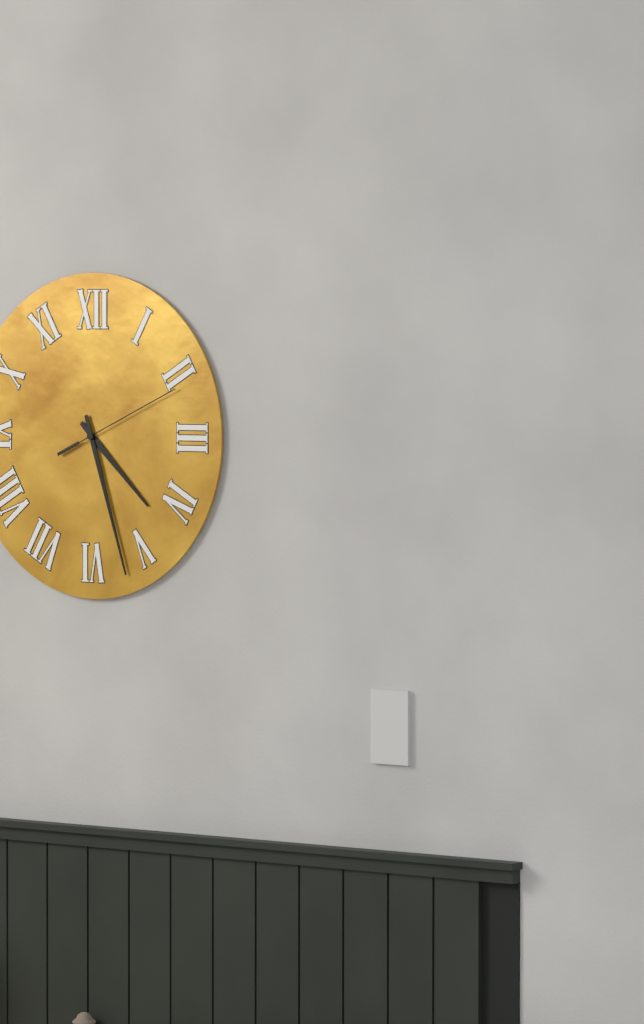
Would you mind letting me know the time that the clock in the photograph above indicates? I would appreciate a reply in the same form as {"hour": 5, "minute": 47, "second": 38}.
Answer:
{"hour": 4, "minute": 27, "second": 11}
